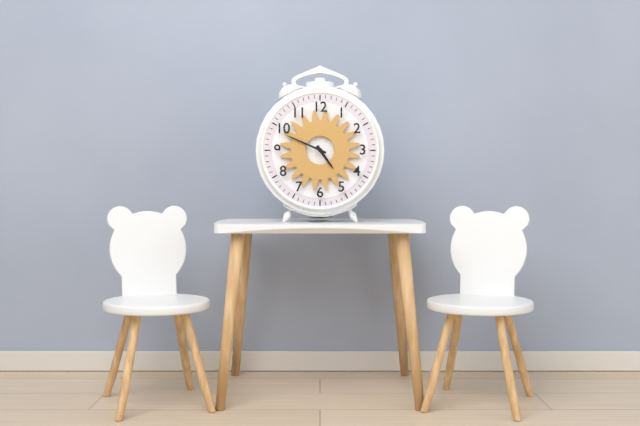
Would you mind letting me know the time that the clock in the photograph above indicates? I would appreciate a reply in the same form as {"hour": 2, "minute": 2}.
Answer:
{"hour": 4, "minute": 49}
